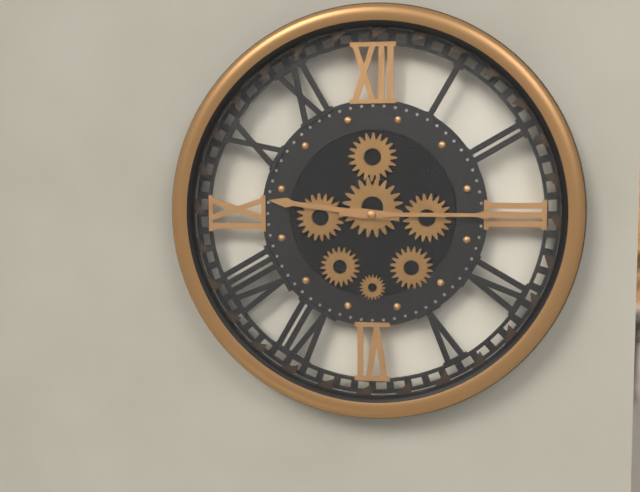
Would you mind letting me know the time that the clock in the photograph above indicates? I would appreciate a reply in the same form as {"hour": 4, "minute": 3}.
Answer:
{"hour": 9, "minute": 15}
